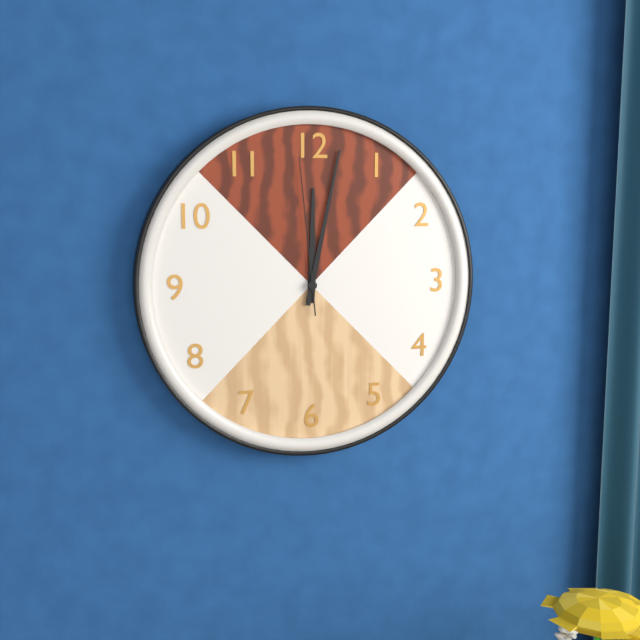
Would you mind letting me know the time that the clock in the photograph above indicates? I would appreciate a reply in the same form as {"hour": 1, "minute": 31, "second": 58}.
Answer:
{"hour": 12, "minute": 2, "second": 59}
